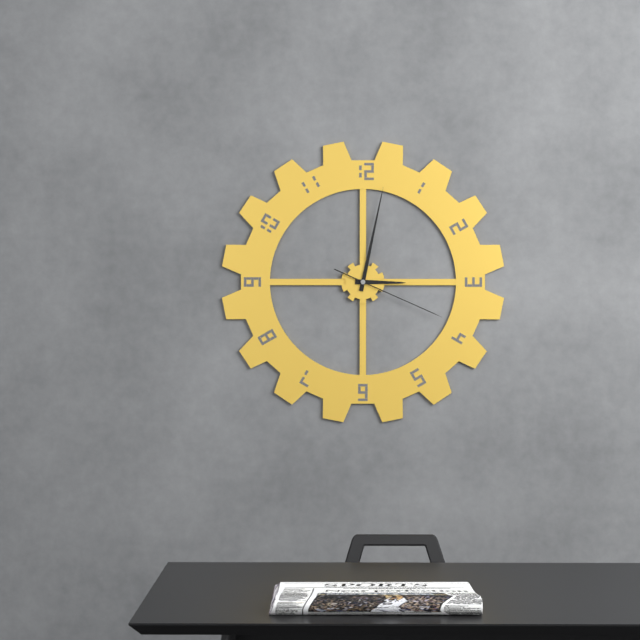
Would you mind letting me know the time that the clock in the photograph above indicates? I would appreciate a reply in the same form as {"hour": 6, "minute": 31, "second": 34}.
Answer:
{"hour": 3, "minute": 2, "second": 19}
